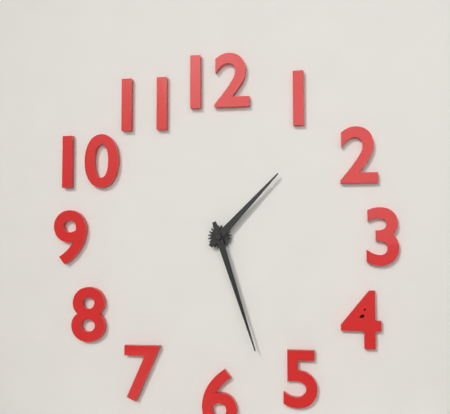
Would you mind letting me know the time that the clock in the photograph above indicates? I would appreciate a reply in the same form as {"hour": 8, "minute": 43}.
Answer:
{"hour": 1, "minute": 27}
